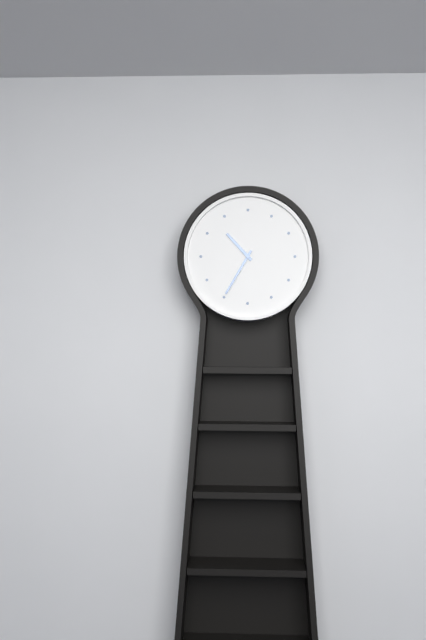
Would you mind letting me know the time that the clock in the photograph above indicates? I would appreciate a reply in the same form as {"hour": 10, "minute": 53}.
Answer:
{"hour": 10, "minute": 35}
